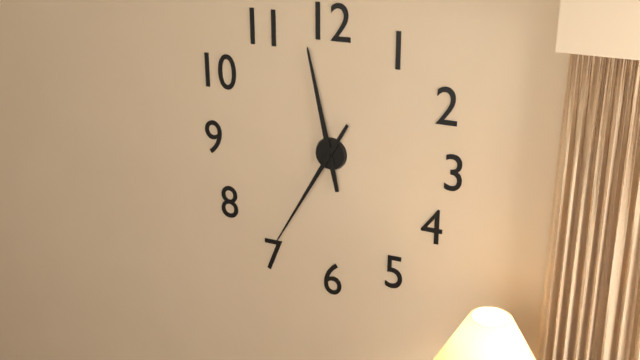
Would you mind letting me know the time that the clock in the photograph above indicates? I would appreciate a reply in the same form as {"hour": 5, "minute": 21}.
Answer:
{"hour": 11, "minute": 35}
